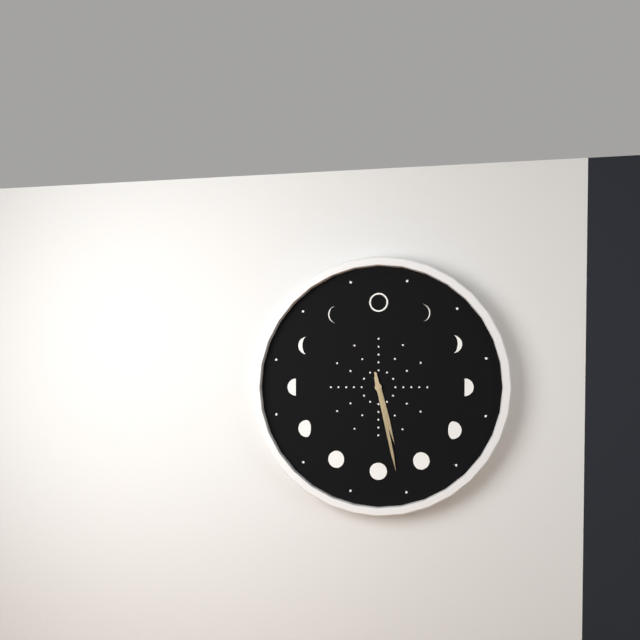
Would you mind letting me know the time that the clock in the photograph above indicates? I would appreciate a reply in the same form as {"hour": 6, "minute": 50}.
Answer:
{"hour": 5, "minute": 28}
